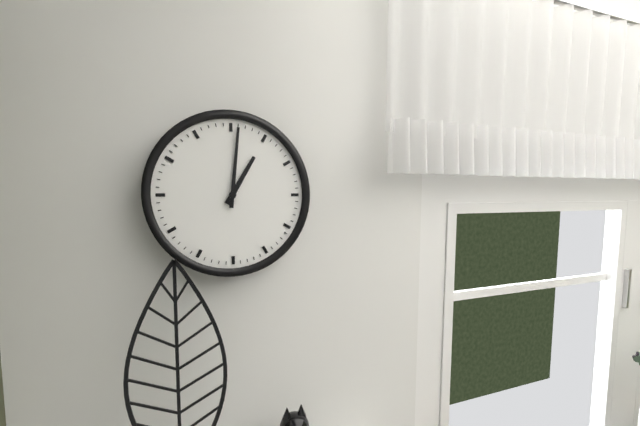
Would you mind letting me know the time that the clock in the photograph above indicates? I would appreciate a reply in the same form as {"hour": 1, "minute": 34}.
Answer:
{"hour": 1, "minute": 1}
